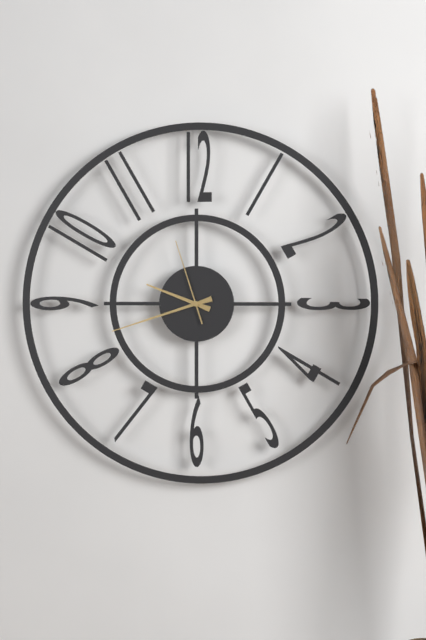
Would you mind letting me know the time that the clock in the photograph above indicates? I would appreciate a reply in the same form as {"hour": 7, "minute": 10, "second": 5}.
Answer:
{"hour": 9, "minute": 42, "second": 57}
